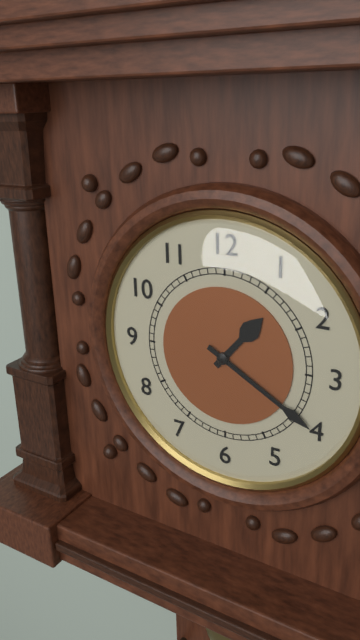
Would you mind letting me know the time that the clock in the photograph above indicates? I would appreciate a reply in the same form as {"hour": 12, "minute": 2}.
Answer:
{"hour": 1, "minute": 20}
